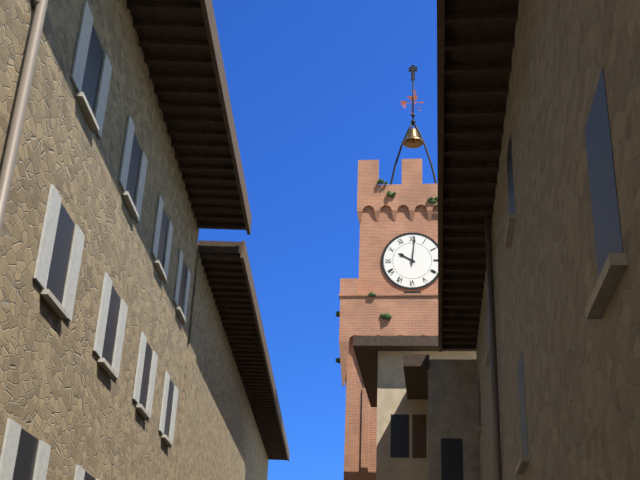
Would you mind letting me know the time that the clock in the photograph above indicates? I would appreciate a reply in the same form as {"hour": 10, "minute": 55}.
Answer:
{"hour": 10, "minute": 1}
